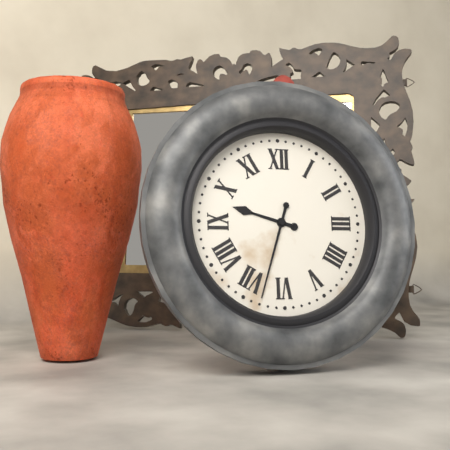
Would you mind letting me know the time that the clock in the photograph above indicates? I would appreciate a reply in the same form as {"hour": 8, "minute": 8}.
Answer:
{"hour": 9, "minute": 33}
